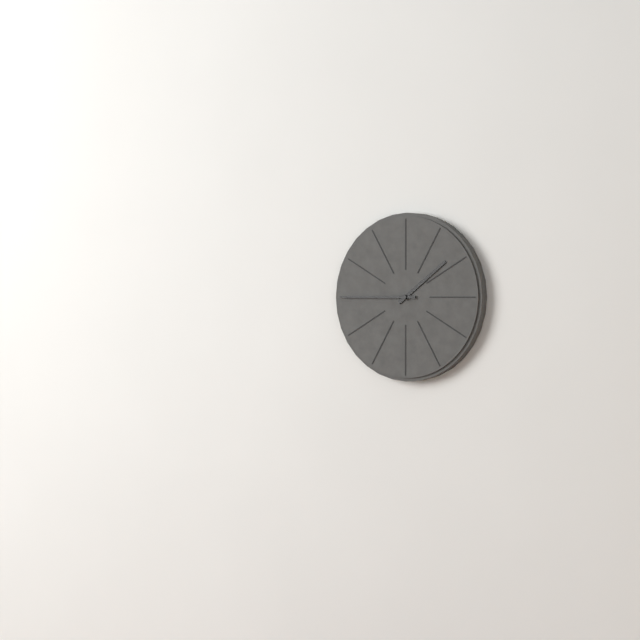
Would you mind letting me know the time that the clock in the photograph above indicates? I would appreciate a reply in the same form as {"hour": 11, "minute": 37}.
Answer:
{"hour": 1, "minute": 45}
